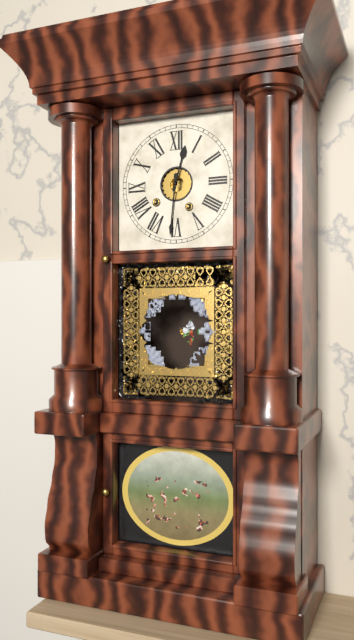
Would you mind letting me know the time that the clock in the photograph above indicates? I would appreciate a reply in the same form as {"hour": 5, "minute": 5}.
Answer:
{"hour": 12, "minute": 31}
